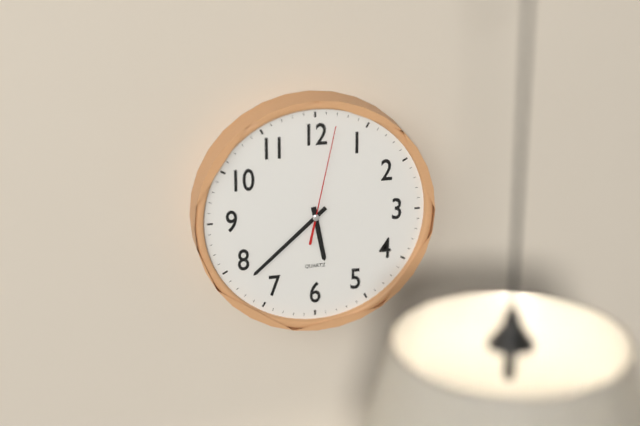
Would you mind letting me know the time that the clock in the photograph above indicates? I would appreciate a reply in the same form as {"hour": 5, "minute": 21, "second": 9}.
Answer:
{"hour": 5, "minute": 38, "second": 2}
